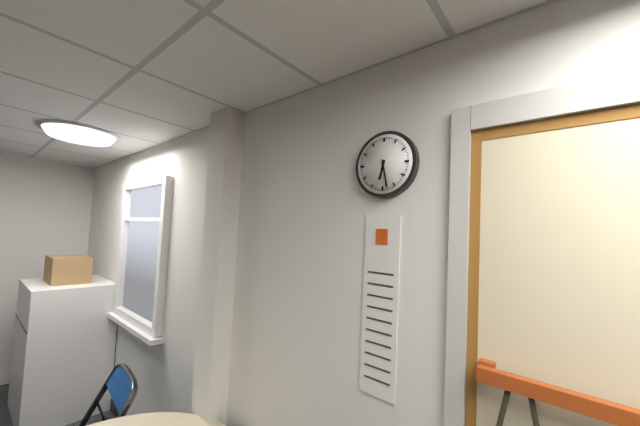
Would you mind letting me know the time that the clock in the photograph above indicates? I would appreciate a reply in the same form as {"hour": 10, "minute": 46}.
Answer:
{"hour": 6, "minute": 28}
